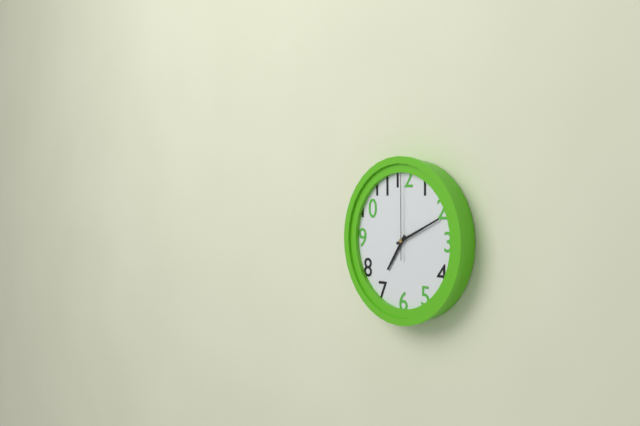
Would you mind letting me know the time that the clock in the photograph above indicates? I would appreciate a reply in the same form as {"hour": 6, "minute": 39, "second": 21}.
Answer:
{"hour": 7, "minute": 11, "second": 0}
